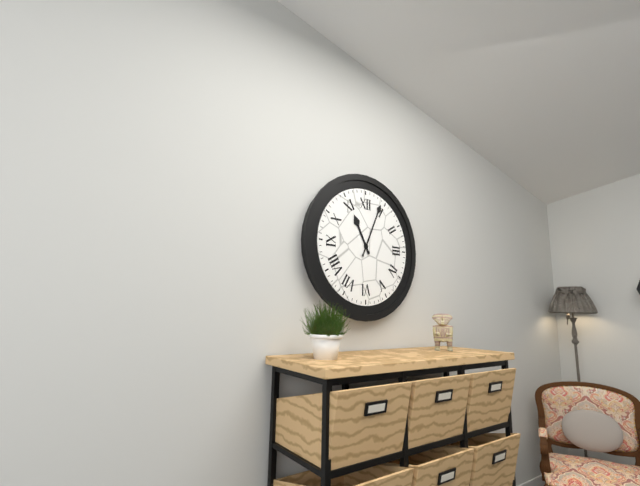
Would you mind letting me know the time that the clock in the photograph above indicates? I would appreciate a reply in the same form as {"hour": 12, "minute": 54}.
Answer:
{"hour": 11, "minute": 4}
